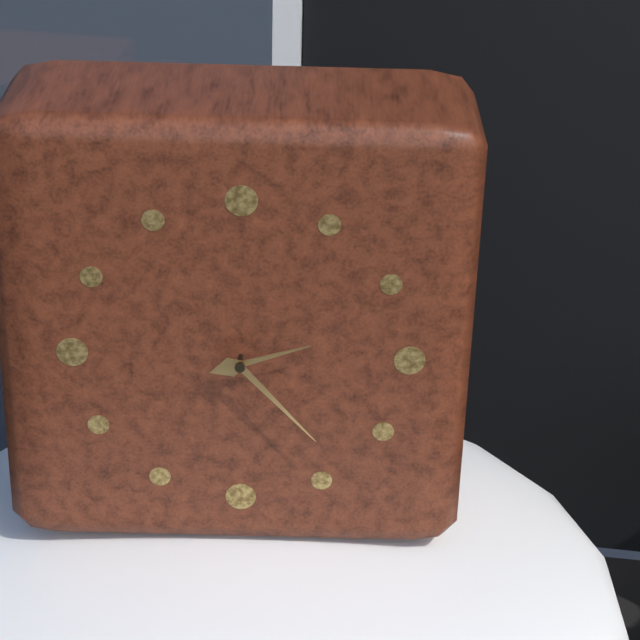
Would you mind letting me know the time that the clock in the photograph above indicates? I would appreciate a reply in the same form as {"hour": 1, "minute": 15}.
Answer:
{"hour": 2, "minute": 23}
